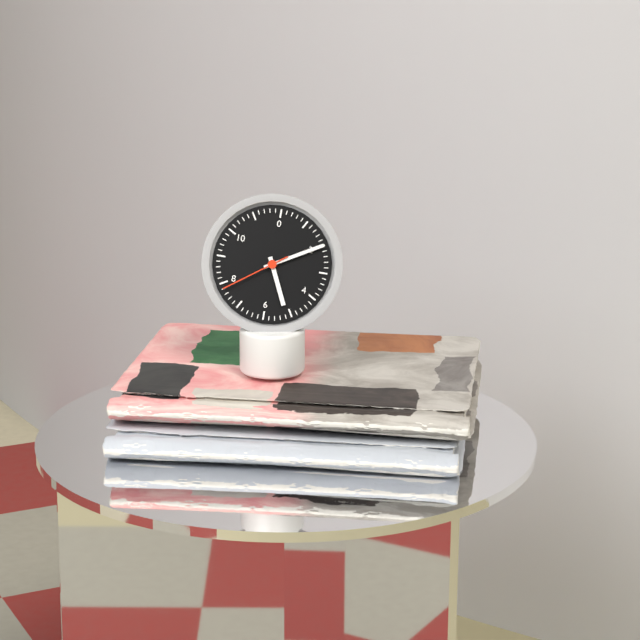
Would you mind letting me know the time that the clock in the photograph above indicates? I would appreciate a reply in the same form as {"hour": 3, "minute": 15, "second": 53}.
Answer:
{"hour": 5, "minute": 10, "second": 39}
